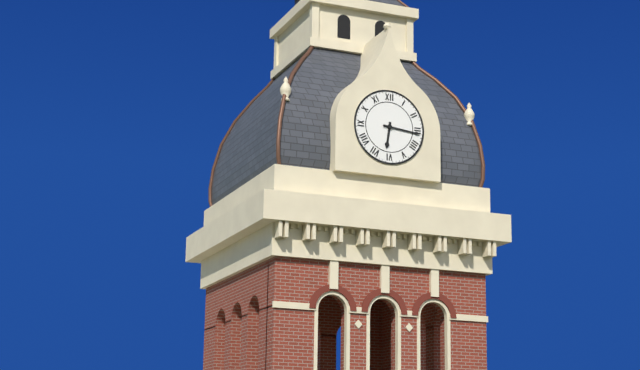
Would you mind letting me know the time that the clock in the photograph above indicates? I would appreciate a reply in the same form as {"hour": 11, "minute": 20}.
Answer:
{"hour": 6, "minute": 16}
